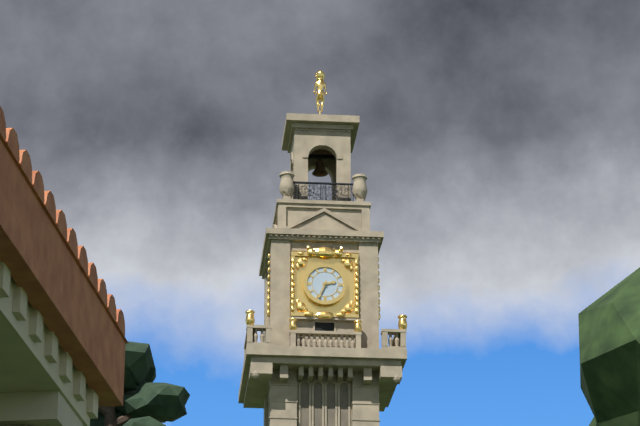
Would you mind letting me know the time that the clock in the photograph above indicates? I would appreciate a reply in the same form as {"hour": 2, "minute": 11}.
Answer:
{"hour": 2, "minute": 34}
